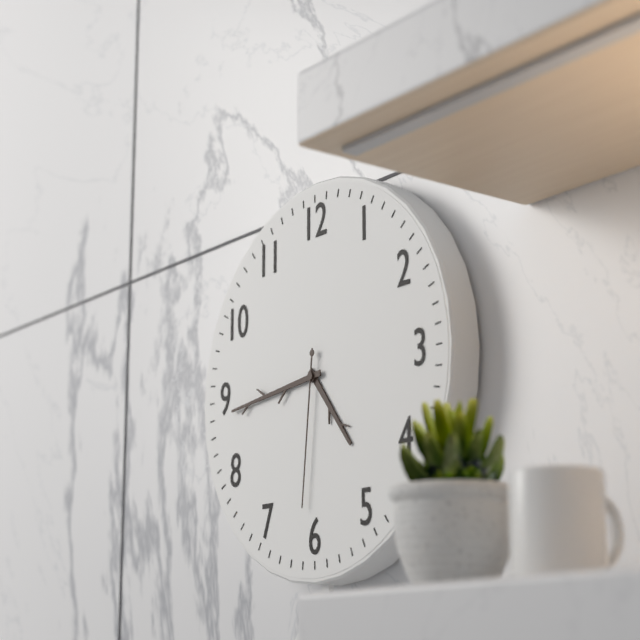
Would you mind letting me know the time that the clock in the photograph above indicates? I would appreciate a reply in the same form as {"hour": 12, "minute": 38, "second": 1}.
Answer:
{"hour": 4, "minute": 44, "second": 31}
